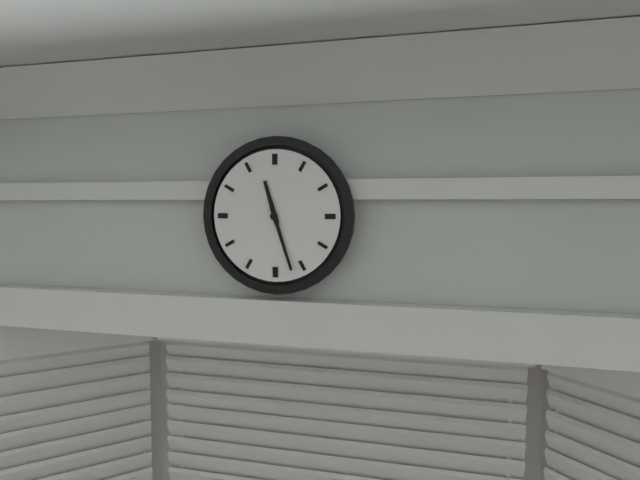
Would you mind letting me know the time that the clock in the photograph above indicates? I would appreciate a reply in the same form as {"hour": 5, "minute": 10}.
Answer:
{"hour": 11, "minute": 27}
